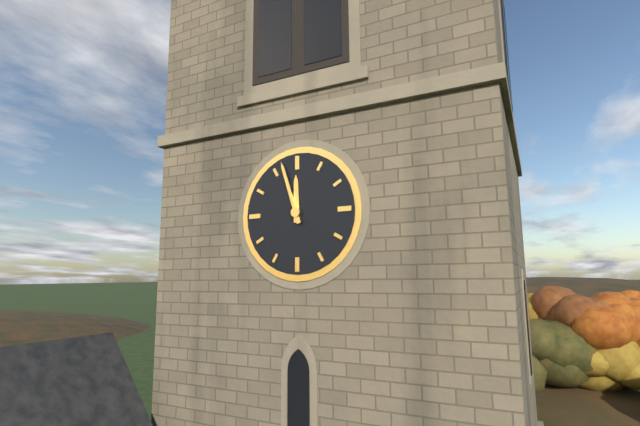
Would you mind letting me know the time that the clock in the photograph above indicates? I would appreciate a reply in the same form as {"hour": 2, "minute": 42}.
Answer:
{"hour": 11, "minute": 57}
